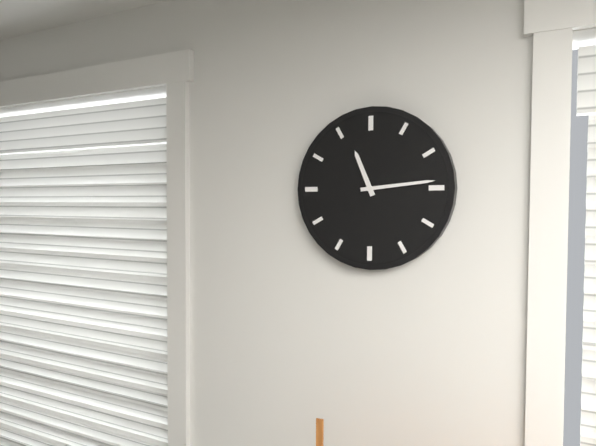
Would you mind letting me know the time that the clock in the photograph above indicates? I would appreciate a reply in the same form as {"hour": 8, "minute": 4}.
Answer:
{"hour": 11, "minute": 14}
